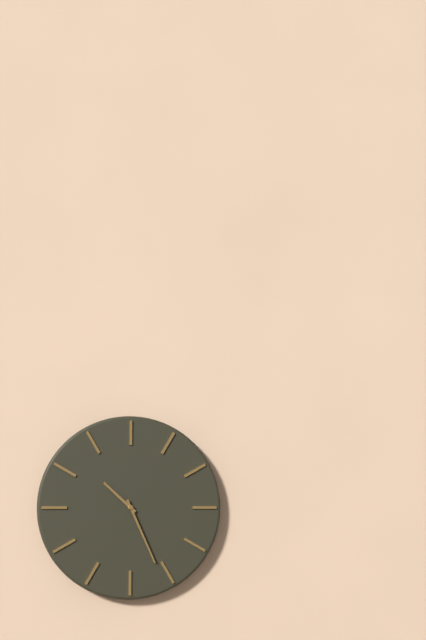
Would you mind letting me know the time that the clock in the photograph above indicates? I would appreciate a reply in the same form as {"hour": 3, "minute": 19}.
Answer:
{"hour": 10, "minute": 26}
